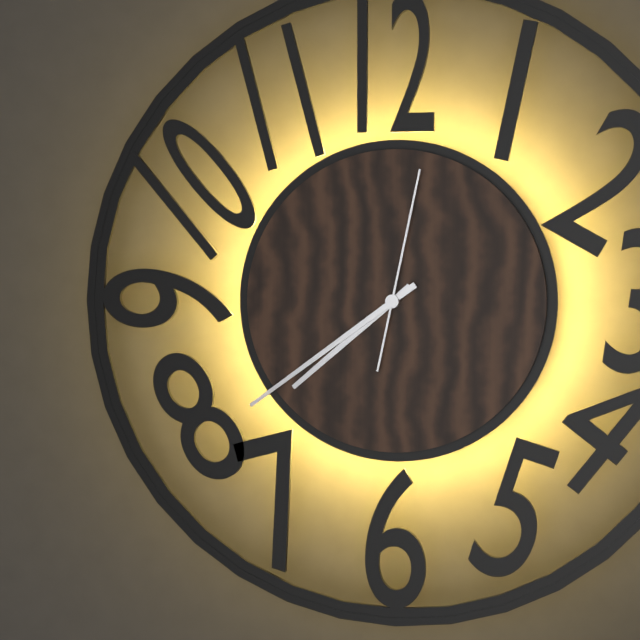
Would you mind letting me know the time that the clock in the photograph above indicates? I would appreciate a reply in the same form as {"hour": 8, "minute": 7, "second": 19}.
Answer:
{"hour": 7, "minute": 39, "second": 2}
